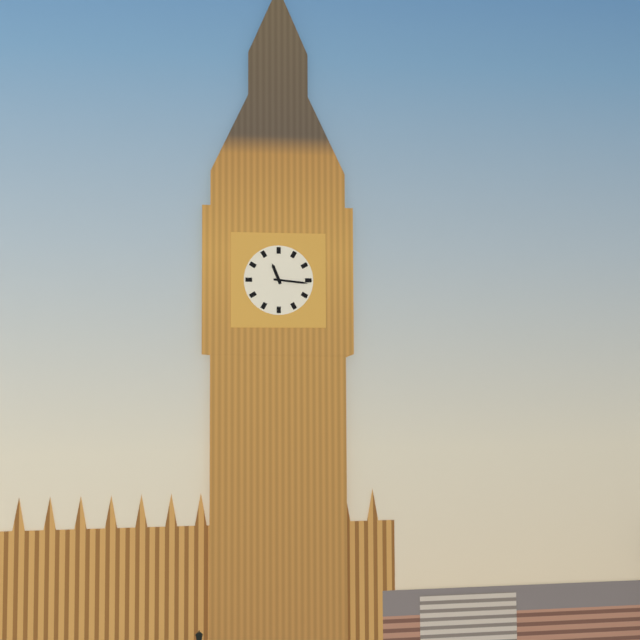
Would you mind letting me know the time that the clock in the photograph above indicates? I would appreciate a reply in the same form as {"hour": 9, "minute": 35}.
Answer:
{"hour": 11, "minute": 16}
